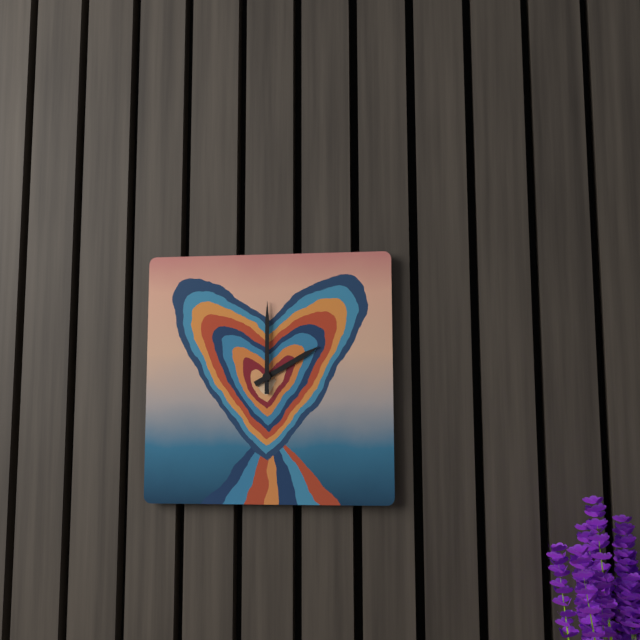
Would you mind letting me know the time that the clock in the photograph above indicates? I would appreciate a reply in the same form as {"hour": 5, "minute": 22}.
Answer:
{"hour": 2, "minute": 0}
